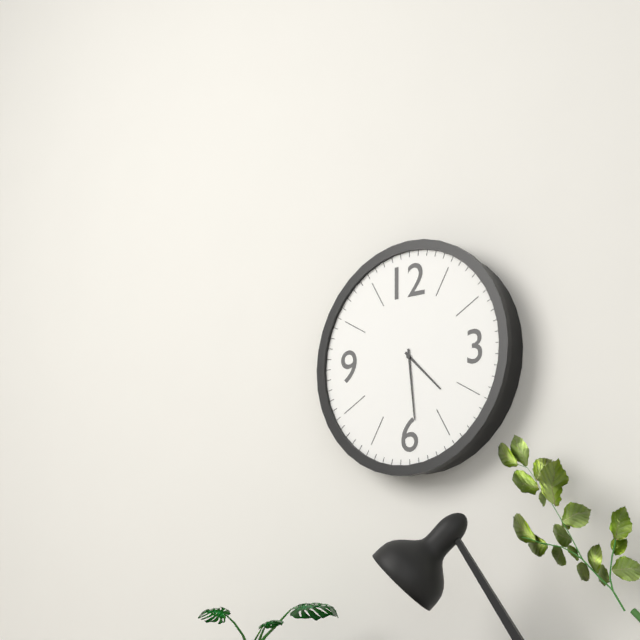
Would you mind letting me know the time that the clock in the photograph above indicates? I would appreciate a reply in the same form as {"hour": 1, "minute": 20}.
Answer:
{"hour": 4, "minute": 29}
